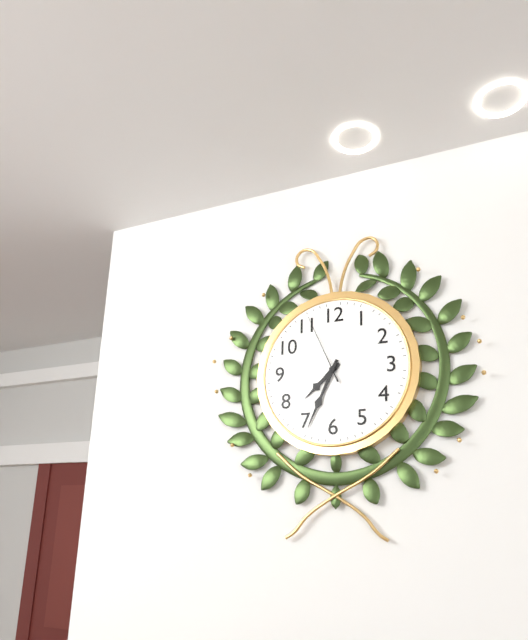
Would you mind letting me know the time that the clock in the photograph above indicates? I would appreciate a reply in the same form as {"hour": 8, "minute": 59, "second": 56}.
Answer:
{"hour": 7, "minute": 34, "second": 56}
